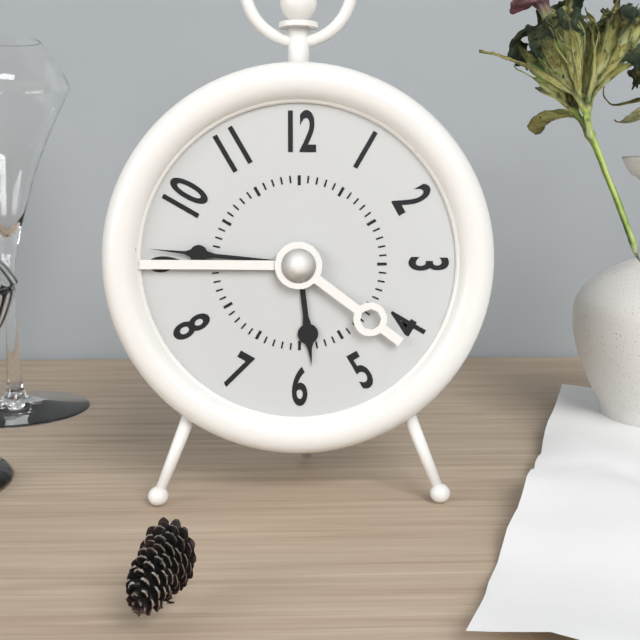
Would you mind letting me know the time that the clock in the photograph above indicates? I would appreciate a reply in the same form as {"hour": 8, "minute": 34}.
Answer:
{"hour": 5, "minute": 46}
